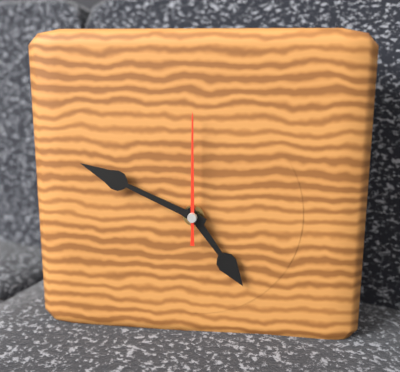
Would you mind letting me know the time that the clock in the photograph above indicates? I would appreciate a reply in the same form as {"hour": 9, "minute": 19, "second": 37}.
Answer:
{"hour": 4, "minute": 49, "second": 0}
